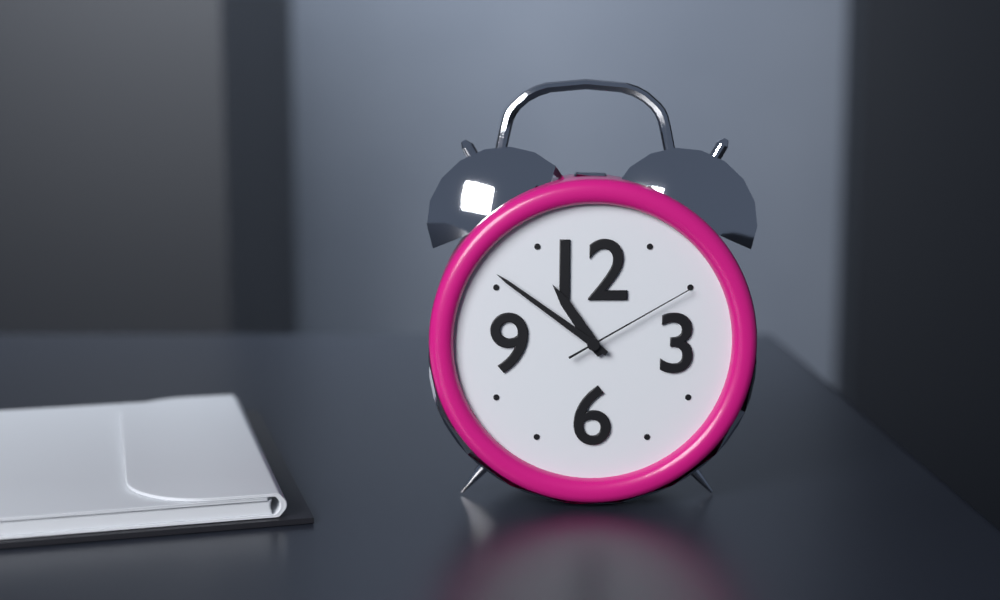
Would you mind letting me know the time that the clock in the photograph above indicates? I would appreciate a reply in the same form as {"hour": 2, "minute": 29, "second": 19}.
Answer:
{"hour": 10, "minute": 51, "second": 10}
